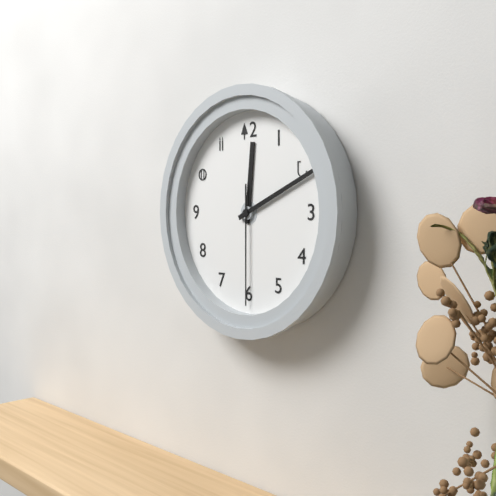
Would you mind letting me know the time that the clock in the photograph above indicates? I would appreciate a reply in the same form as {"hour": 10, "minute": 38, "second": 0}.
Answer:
{"hour": 12, "minute": 11, "second": 30}
